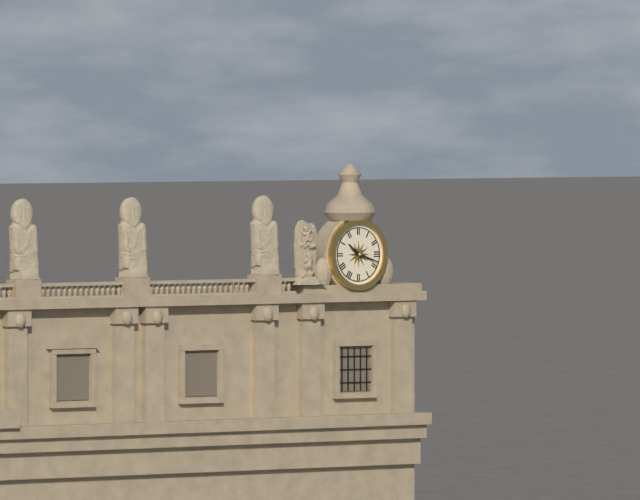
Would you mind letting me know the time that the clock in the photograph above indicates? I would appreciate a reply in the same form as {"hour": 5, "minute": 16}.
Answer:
{"hour": 10, "minute": 18}
